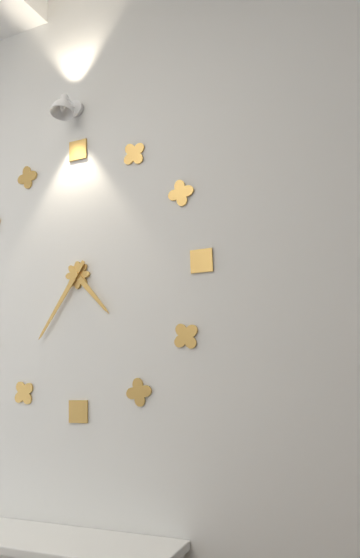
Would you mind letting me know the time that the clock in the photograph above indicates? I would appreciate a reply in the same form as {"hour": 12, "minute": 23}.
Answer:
{"hour": 4, "minute": 36}
